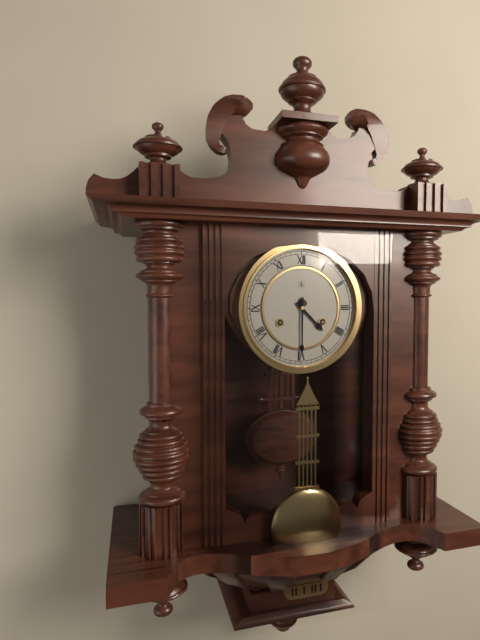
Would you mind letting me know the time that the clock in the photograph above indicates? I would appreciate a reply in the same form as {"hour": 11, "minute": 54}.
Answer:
{"hour": 4, "minute": 30}
